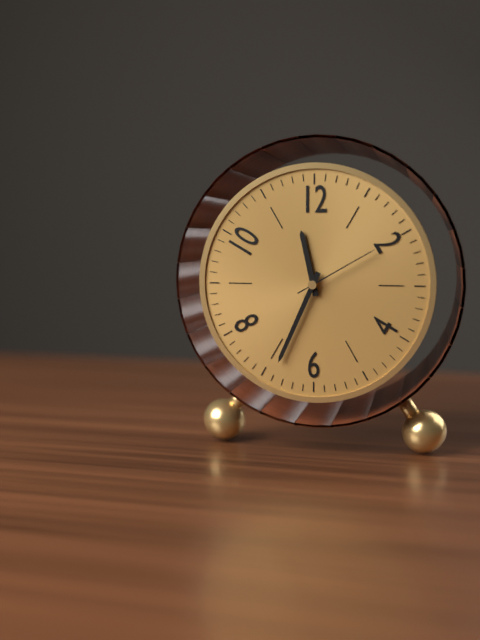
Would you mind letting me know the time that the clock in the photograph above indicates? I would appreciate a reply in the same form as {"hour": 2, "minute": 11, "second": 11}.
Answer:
{"hour": 11, "minute": 34, "second": 10}
